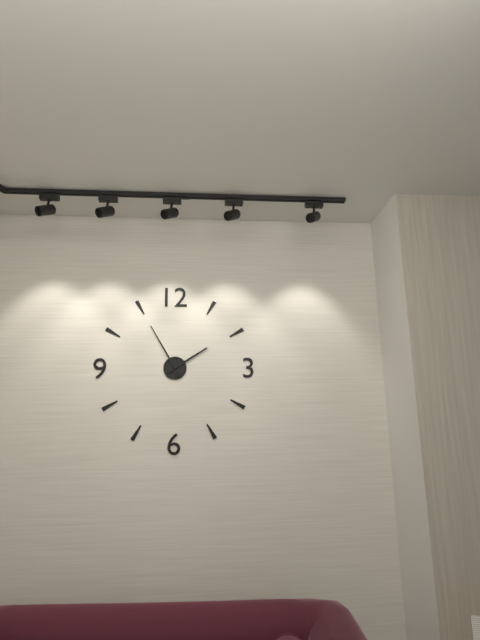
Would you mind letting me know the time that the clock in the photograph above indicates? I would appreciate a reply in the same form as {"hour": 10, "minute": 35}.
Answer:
{"hour": 1, "minute": 55}
